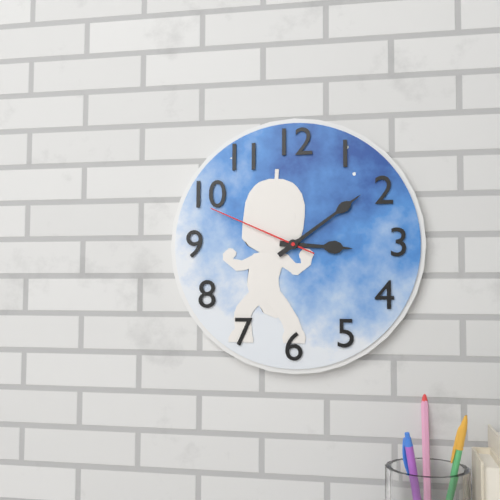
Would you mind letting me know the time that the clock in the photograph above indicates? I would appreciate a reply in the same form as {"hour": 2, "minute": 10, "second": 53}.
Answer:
{"hour": 3, "minute": 9, "second": 49}
